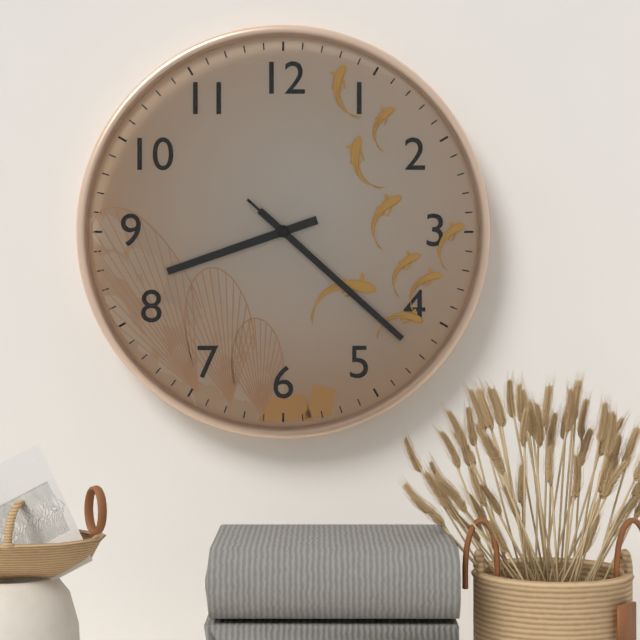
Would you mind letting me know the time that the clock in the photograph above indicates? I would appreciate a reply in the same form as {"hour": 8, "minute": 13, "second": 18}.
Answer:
{"hour": 8, "minute": 22, "second": 22}
